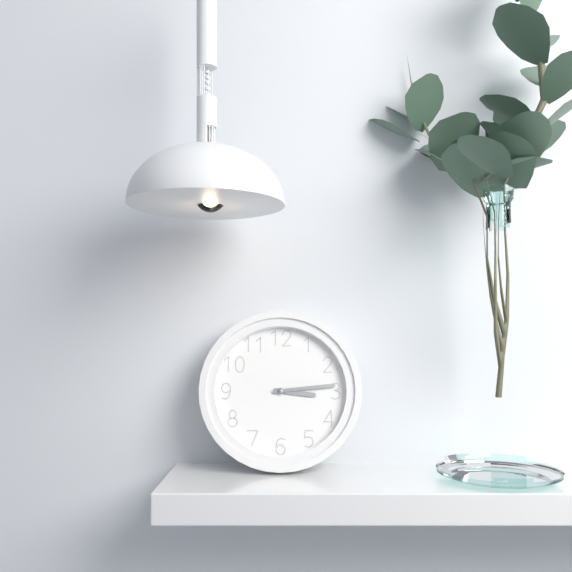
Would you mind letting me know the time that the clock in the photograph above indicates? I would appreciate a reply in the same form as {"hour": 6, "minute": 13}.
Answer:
{"hour": 3, "minute": 14}
